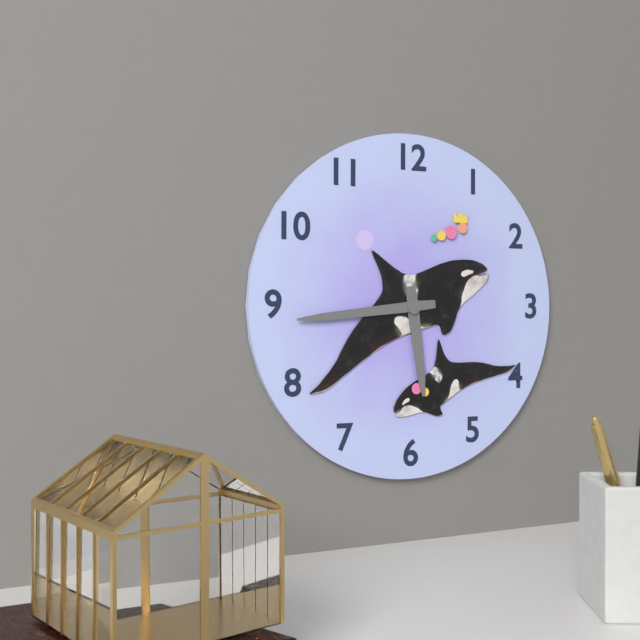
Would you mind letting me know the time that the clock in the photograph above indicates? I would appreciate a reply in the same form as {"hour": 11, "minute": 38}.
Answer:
{"hour": 5, "minute": 44}
